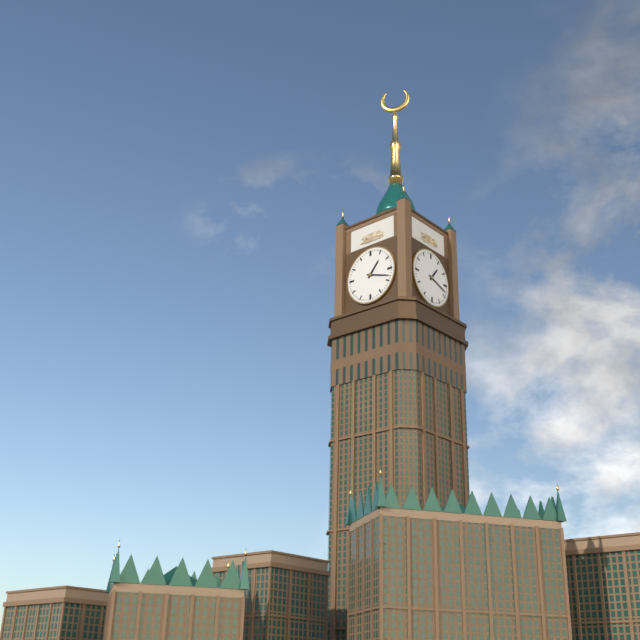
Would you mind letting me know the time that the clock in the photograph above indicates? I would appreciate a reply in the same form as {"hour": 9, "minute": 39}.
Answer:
{"hour": 1, "minute": 18}
